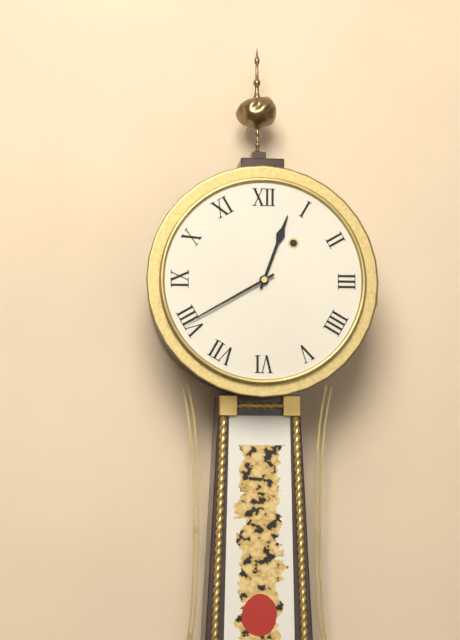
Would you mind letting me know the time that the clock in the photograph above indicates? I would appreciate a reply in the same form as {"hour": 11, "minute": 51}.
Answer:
{"hour": 12, "minute": 40}
